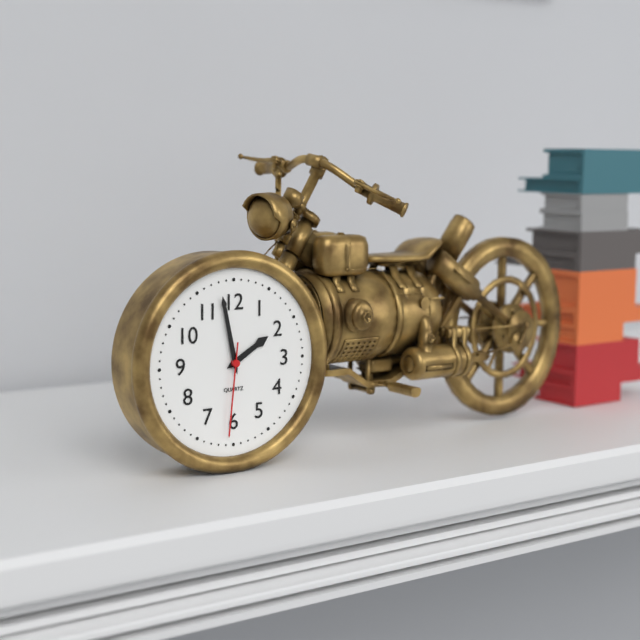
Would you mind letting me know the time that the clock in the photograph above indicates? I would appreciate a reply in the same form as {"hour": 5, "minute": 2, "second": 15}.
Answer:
{"hour": 1, "minute": 58, "second": 31}
